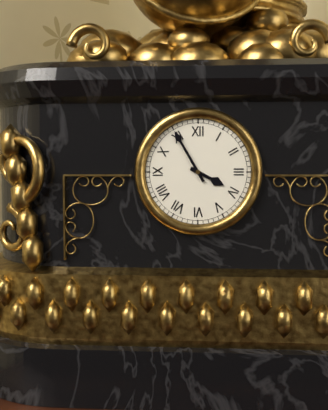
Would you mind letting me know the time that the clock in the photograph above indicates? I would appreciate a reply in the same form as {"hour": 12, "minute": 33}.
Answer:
{"hour": 3, "minute": 55}
